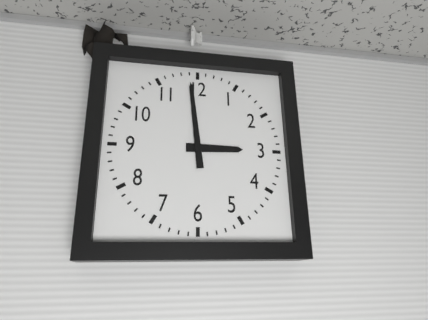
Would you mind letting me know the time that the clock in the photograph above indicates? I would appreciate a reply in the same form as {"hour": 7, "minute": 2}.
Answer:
{"hour": 2, "minute": 59}
